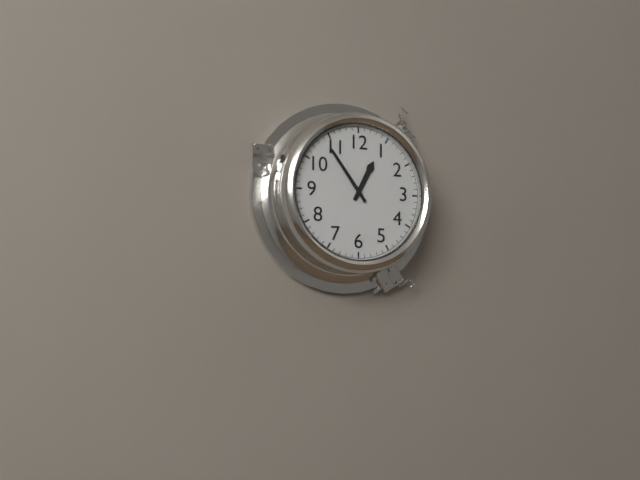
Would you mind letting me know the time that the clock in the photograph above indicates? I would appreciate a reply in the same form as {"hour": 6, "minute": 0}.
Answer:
{"hour": 12, "minute": 54}
